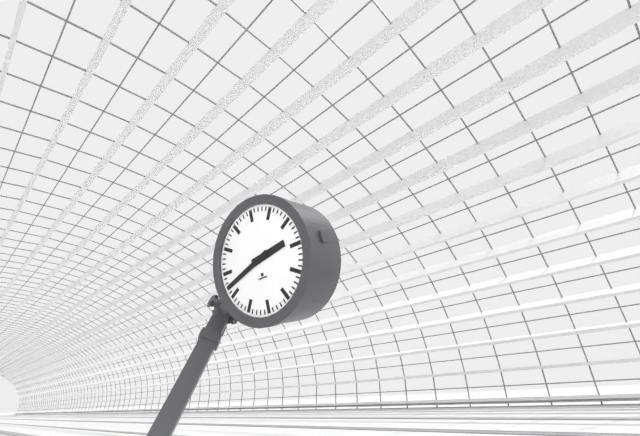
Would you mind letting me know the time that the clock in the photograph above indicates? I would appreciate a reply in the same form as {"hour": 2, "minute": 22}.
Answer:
{"hour": 2, "minute": 42}
